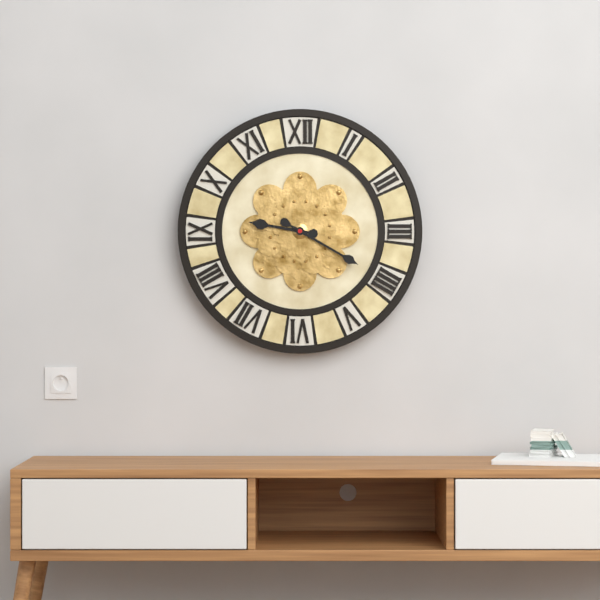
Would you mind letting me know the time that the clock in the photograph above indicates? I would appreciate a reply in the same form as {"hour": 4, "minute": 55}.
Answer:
{"hour": 9, "minute": 20}
